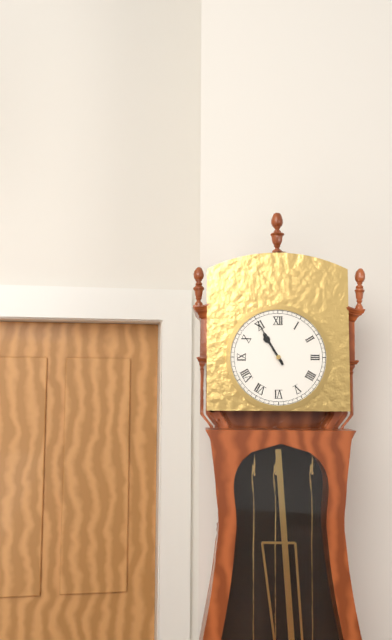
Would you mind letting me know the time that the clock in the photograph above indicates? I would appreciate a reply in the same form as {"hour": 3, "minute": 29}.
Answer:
{"hour": 10, "minute": 55}
